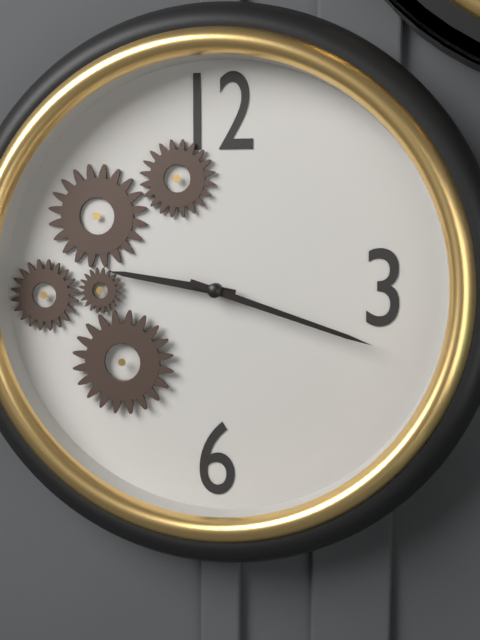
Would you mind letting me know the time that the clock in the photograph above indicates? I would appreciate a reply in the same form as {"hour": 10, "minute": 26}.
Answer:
{"hour": 9, "minute": 18}
